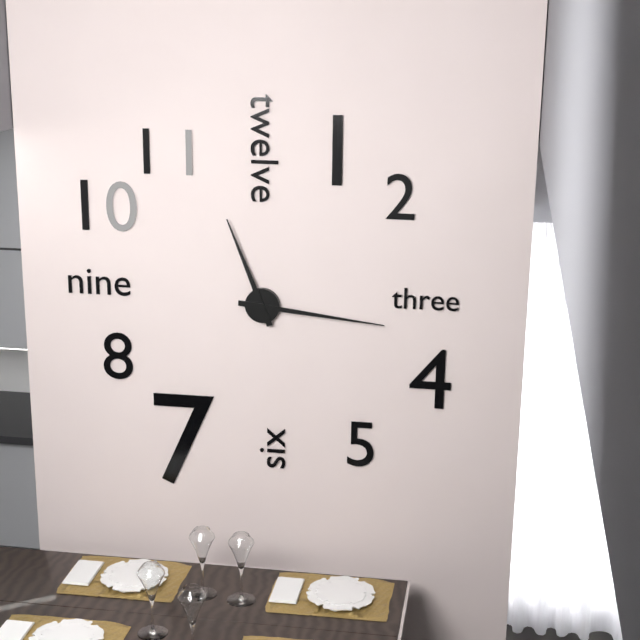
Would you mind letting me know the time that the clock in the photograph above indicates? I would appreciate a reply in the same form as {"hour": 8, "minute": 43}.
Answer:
{"hour": 11, "minute": 16}
